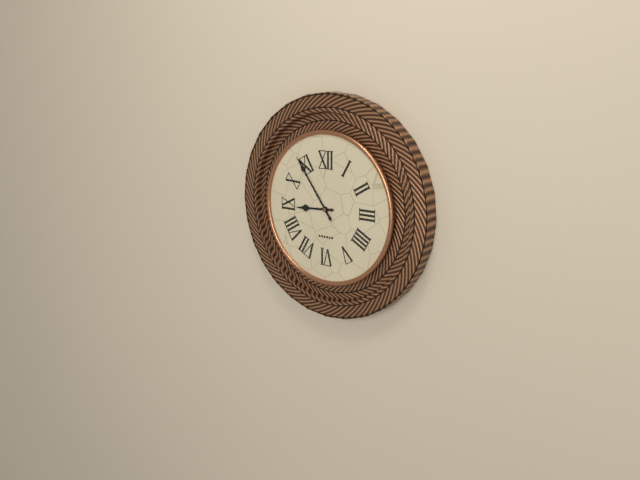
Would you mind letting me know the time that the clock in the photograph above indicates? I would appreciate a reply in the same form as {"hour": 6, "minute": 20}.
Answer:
{"hour": 8, "minute": 54}
